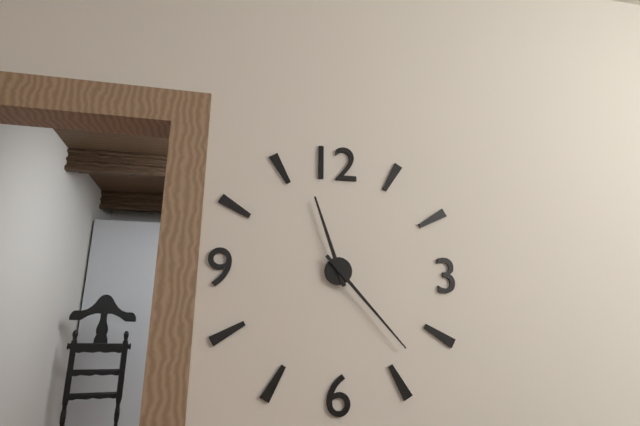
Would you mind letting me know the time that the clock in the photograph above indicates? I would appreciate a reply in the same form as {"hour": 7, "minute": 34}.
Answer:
{"hour": 11, "minute": 23}
